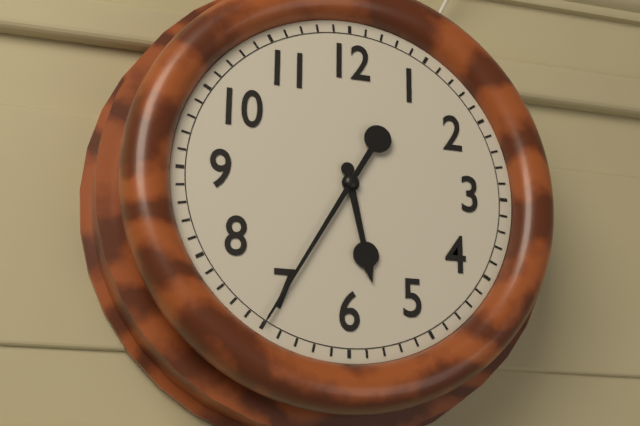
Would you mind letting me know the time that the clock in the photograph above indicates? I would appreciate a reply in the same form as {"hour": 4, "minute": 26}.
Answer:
{"hour": 5, "minute": 35}
